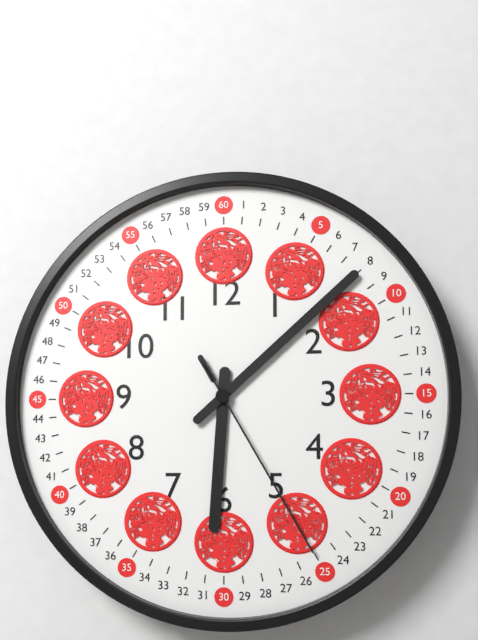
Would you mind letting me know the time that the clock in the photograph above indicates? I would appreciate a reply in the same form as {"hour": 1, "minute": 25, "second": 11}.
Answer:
{"hour": 6, "minute": 8, "second": 25}
